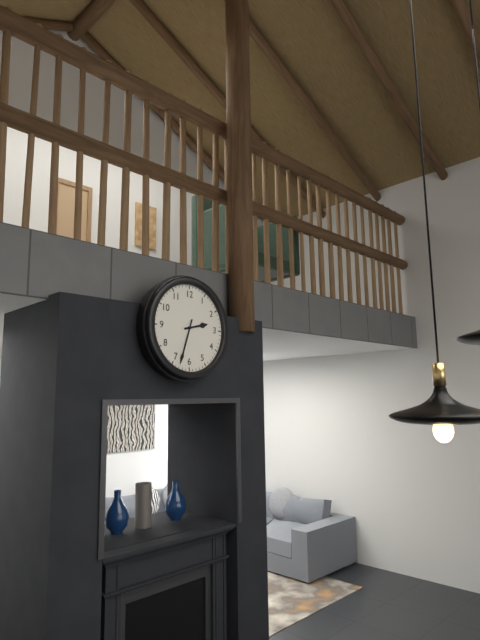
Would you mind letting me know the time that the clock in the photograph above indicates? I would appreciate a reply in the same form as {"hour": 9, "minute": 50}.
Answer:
{"hour": 2, "minute": 33}
